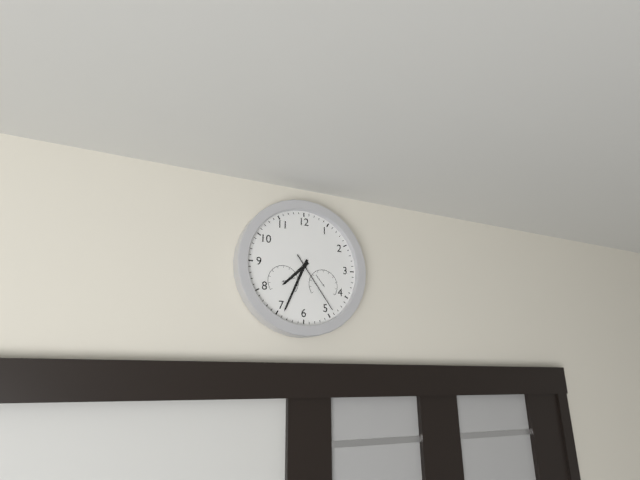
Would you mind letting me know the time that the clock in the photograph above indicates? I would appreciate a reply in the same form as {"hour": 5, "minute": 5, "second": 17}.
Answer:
{"hour": 7, "minute": 34, "second": 24}
